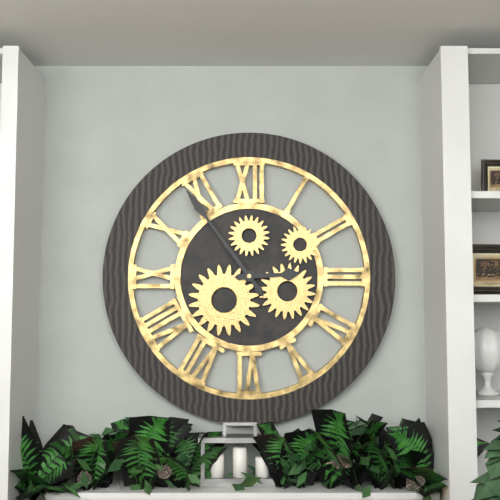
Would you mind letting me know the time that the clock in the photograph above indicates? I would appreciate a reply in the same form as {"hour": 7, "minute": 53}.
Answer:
{"hour": 2, "minute": 54}
